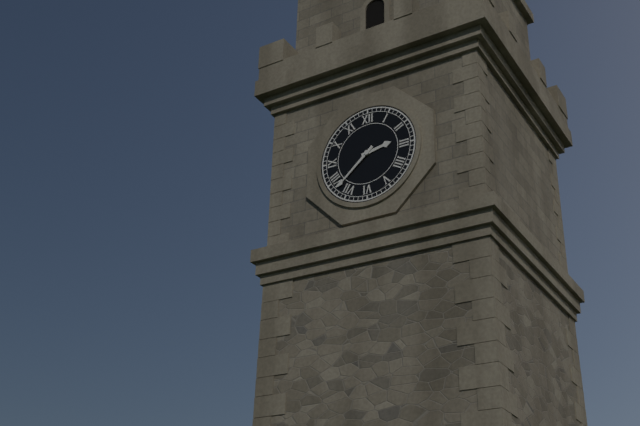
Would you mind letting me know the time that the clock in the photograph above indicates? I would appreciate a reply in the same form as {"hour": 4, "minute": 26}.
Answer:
{"hour": 2, "minute": 38}
